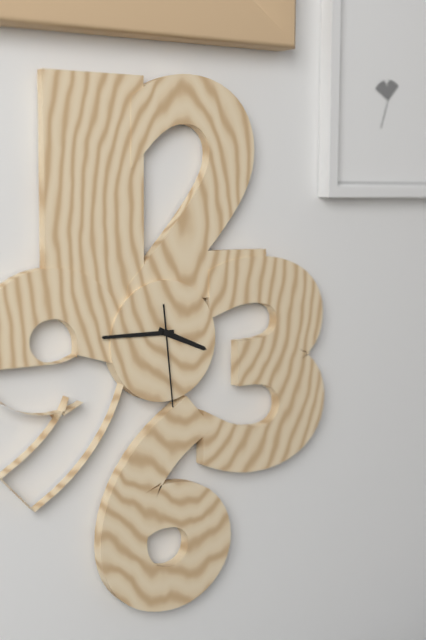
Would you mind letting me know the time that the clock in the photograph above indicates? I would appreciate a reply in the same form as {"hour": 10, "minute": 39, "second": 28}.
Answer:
{"hour": 3, "minute": 45, "second": 29}
